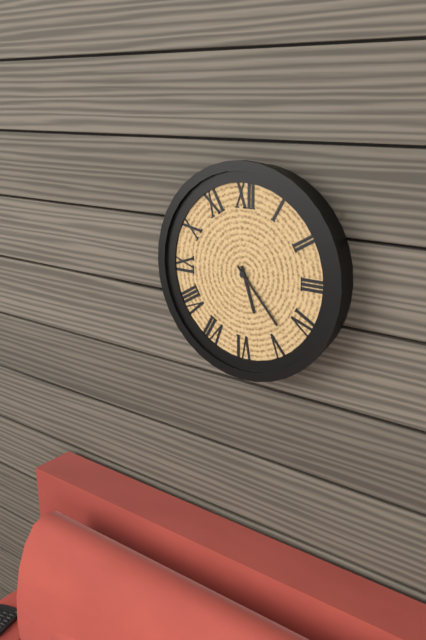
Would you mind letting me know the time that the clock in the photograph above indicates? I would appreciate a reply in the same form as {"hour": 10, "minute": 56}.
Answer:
{"hour": 5, "minute": 23}
